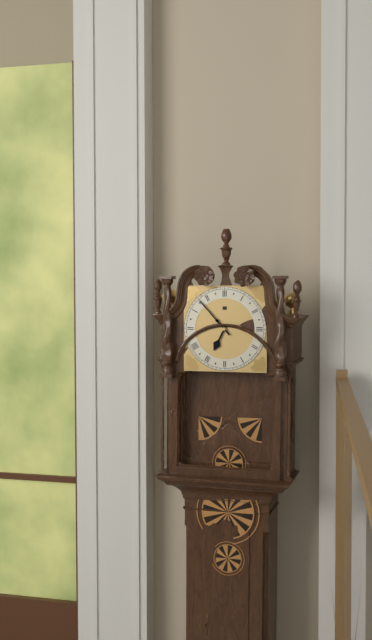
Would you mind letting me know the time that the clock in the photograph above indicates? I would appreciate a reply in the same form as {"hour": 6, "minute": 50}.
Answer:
{"hour": 6, "minute": 53}
